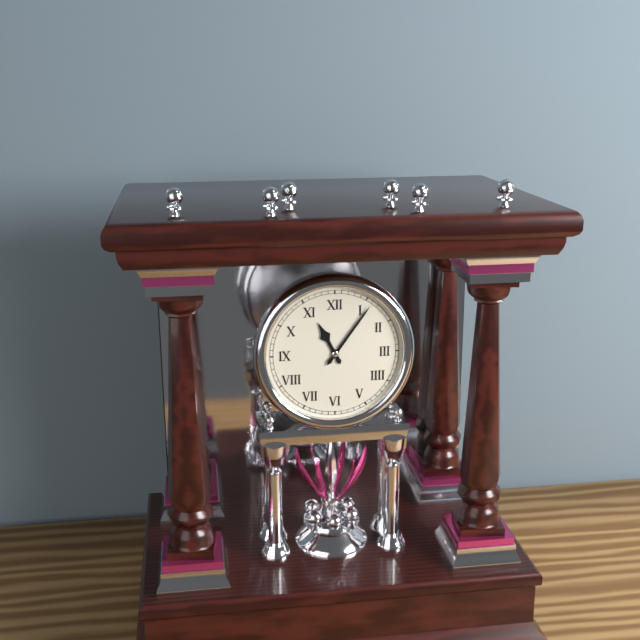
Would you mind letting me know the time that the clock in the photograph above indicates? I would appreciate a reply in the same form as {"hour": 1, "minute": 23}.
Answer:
{"hour": 11, "minute": 6}
